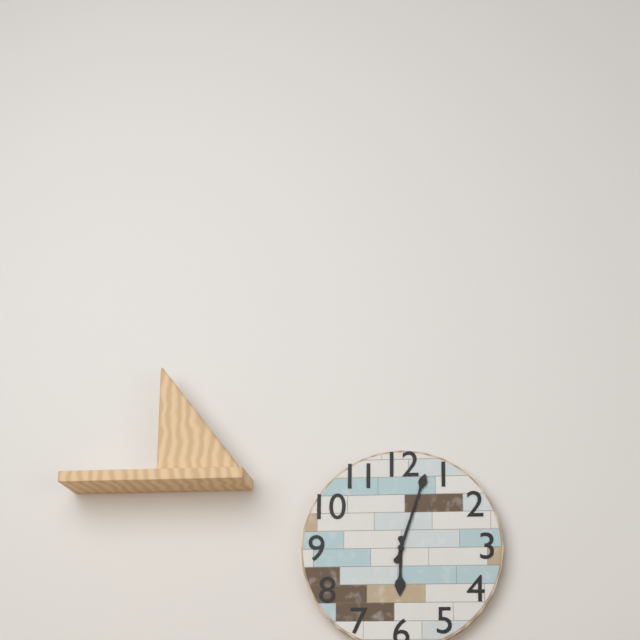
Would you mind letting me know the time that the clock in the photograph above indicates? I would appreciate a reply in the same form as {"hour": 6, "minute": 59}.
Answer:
{"hour": 6, "minute": 3}
